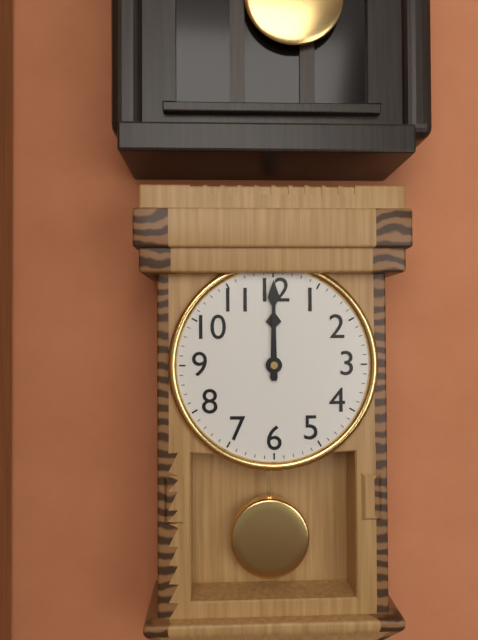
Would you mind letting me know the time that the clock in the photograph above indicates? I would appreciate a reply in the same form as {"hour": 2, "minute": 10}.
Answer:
{"hour": 12, "minute": 0}
